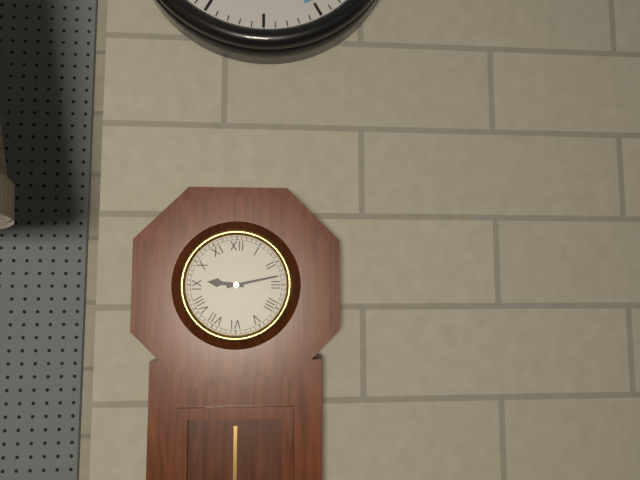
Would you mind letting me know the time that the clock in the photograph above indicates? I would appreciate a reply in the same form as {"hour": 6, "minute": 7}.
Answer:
{"hour": 9, "minute": 13}
